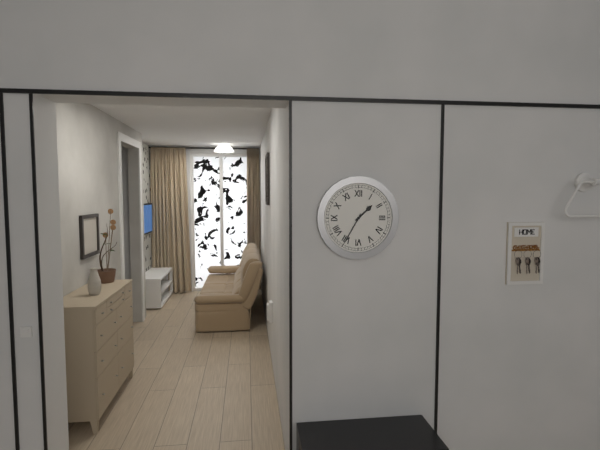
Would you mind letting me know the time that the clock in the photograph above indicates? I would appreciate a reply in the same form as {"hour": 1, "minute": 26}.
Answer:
{"hour": 1, "minute": 35}
